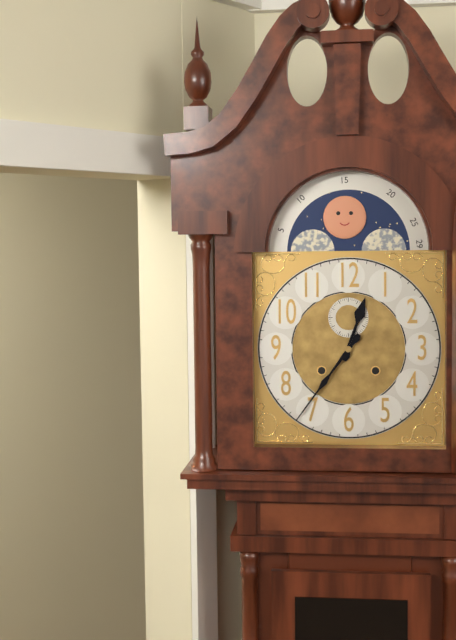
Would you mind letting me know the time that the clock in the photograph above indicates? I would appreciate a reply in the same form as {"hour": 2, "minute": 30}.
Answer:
{"hour": 12, "minute": 36}
